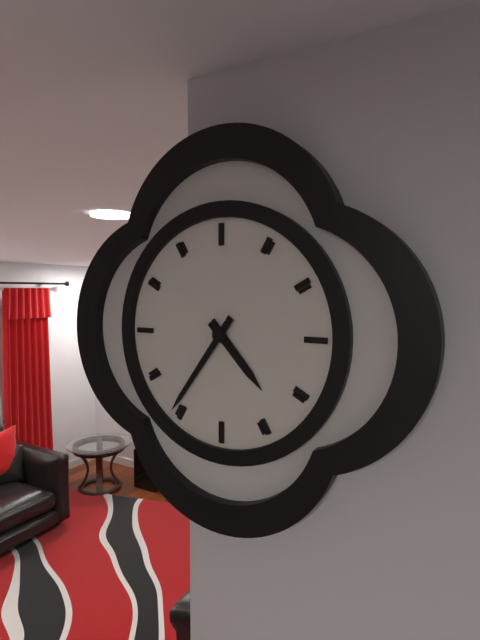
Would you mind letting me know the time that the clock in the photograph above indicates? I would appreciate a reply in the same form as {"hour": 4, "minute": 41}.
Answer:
{"hour": 4, "minute": 36}
